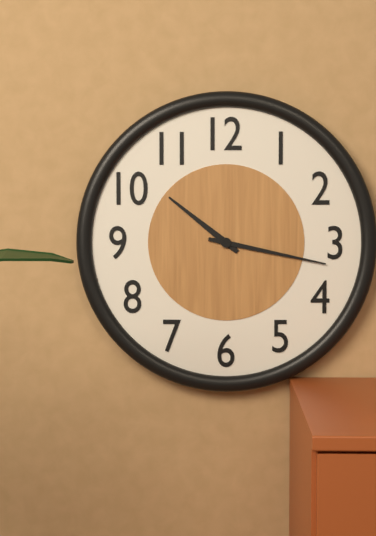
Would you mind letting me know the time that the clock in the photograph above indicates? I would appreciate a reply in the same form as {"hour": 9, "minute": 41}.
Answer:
{"hour": 10, "minute": 17}
